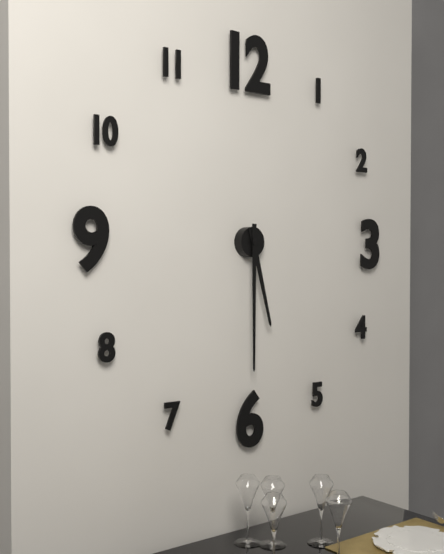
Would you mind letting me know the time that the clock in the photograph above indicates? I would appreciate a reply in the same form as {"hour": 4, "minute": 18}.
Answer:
{"hour": 5, "minute": 30}
